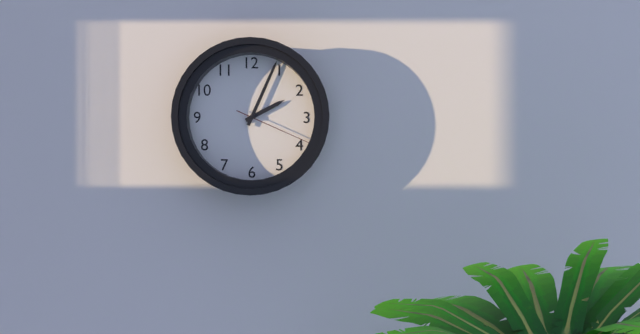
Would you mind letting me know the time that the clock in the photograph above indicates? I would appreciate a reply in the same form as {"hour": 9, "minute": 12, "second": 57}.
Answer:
{"hour": 2, "minute": 4, "second": 19}
